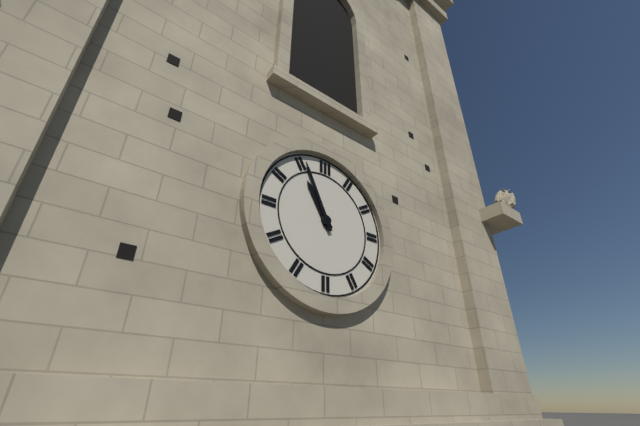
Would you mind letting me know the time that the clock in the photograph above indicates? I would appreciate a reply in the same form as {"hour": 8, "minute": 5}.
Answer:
{"hour": 10, "minute": 56}
